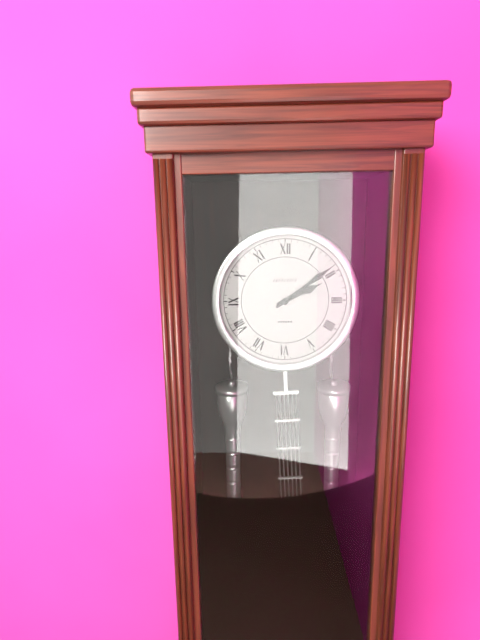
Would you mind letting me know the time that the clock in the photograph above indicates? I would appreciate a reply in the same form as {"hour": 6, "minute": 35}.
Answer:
{"hour": 2, "minute": 9}
